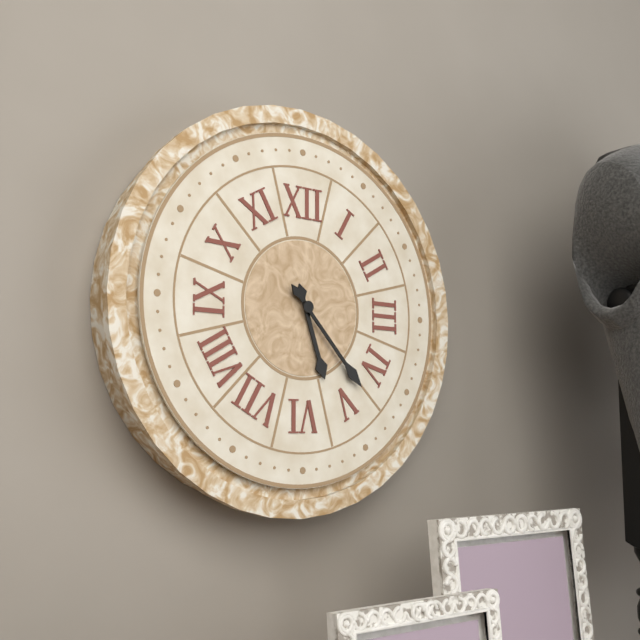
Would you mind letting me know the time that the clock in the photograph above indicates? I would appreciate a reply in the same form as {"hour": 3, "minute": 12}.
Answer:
{"hour": 5, "minute": 23}
